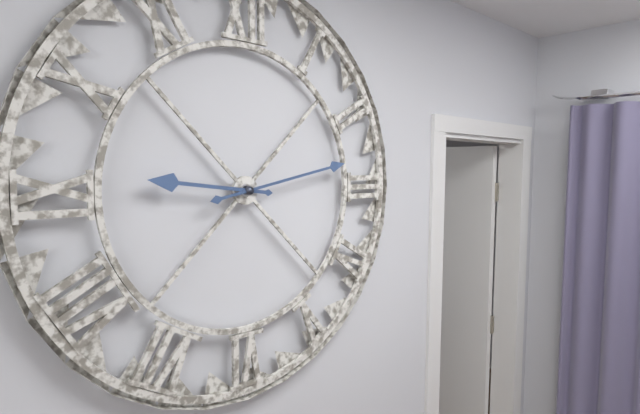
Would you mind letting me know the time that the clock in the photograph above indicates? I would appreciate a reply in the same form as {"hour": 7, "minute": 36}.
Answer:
{"hour": 9, "minute": 13}
